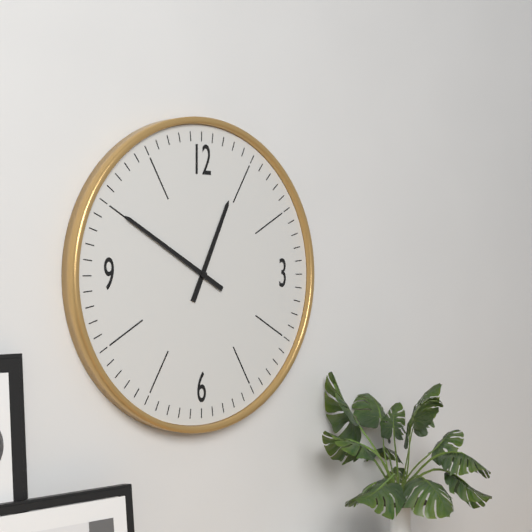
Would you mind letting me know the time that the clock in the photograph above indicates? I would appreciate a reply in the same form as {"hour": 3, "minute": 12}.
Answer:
{"hour": 12, "minute": 50}
